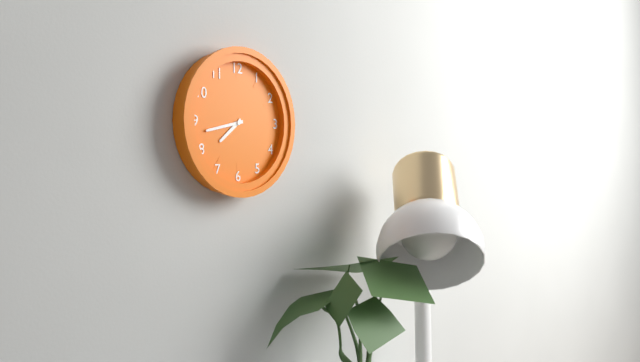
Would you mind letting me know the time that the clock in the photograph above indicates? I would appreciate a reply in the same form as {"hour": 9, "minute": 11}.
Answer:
{"hour": 7, "minute": 43}
